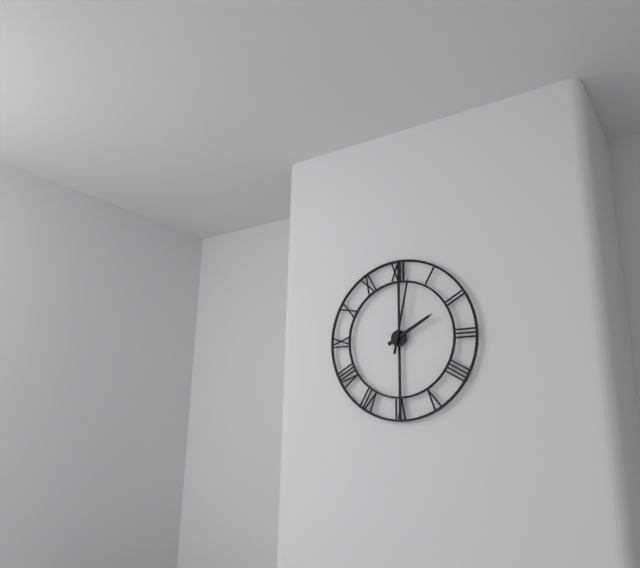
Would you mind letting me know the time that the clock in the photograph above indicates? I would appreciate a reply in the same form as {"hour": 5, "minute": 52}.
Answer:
{"hour": 2, "minute": 2}
